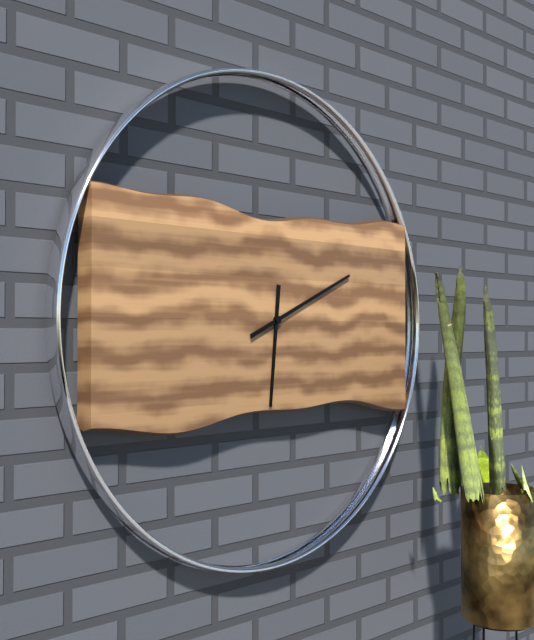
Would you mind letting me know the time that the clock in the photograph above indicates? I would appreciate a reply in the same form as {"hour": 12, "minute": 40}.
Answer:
{"hour": 6, "minute": 11}
